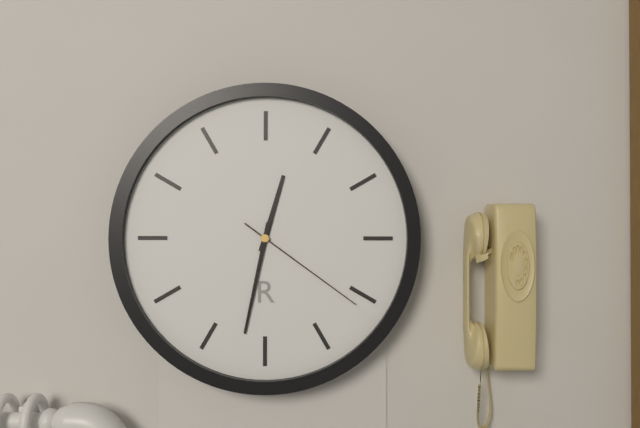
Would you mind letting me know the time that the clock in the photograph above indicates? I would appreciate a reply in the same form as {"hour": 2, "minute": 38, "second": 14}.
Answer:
{"hour": 12, "minute": 32, "second": 21}
